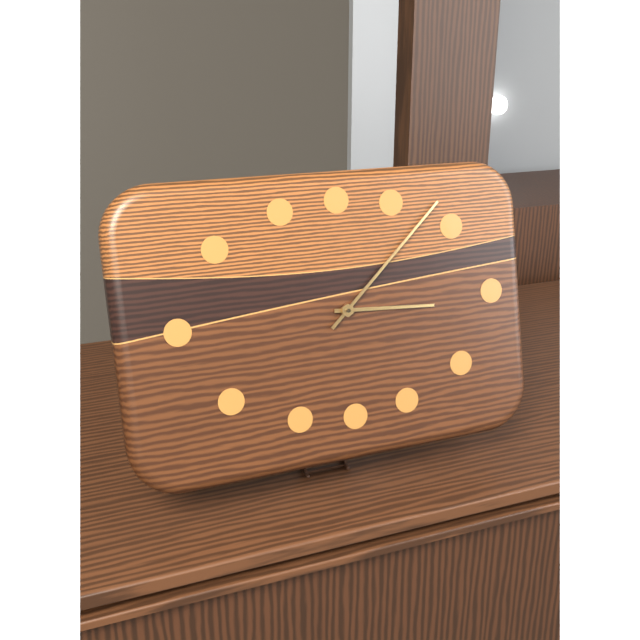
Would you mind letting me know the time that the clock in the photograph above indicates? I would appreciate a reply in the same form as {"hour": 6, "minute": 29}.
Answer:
{"hour": 3, "minute": 8}
